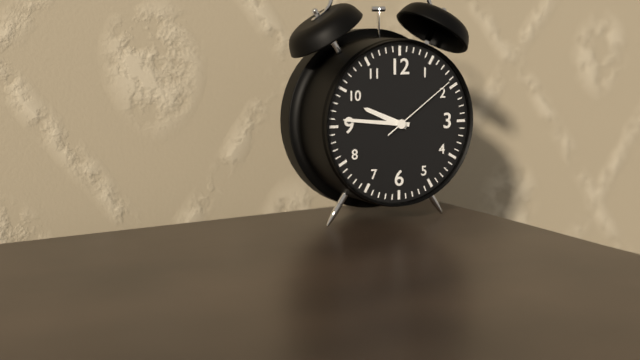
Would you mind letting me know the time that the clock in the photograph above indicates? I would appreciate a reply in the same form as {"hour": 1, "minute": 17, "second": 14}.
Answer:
{"hour": 9, "minute": 46, "second": 9}
